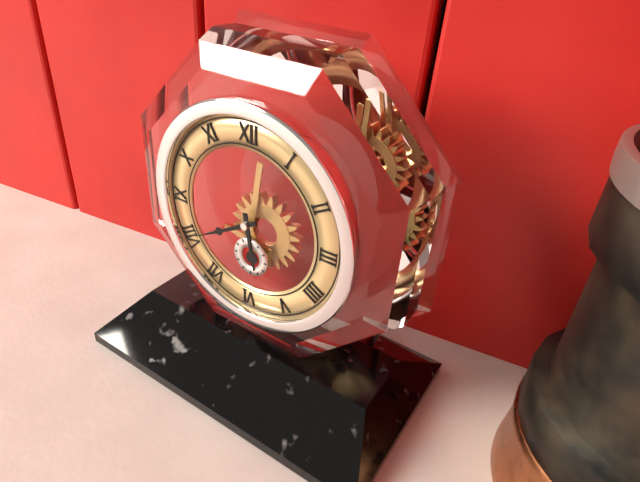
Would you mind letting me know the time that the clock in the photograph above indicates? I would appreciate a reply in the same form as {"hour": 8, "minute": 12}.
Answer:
{"hour": 5, "minute": 40}
